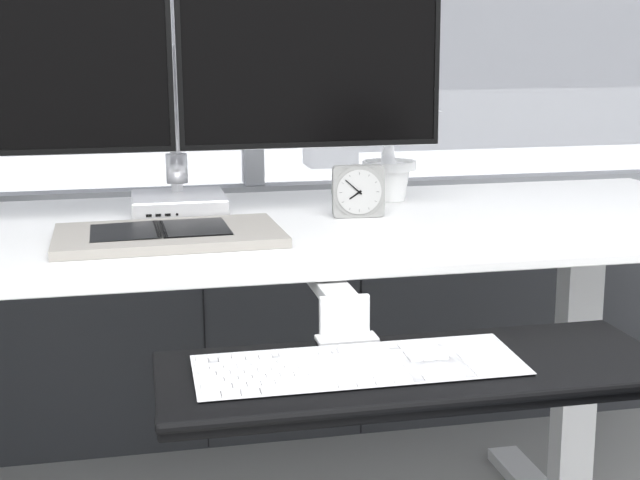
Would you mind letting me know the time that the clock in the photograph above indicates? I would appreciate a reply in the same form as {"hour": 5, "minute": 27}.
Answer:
{"hour": 7, "minute": 52}
